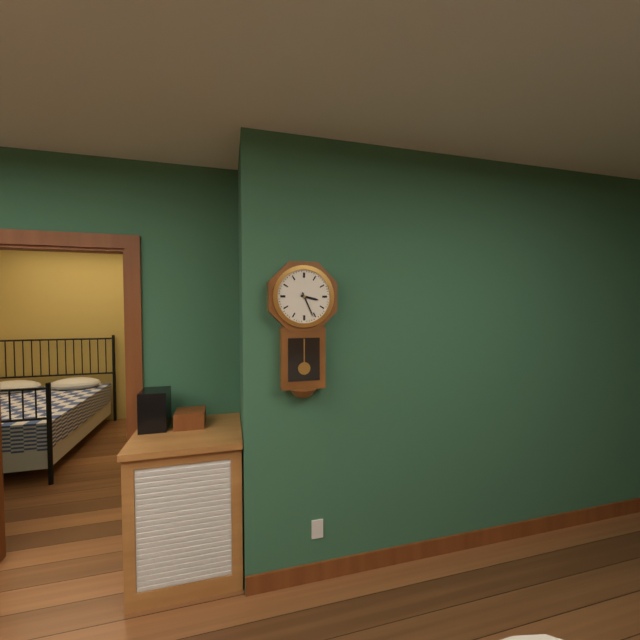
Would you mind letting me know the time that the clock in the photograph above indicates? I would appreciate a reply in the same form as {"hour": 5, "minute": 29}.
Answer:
{"hour": 3, "minute": 26}
